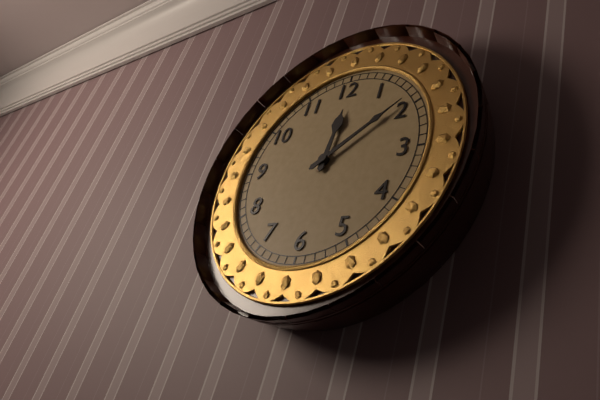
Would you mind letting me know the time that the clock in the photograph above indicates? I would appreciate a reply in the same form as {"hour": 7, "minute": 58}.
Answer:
{"hour": 12, "minute": 9}
